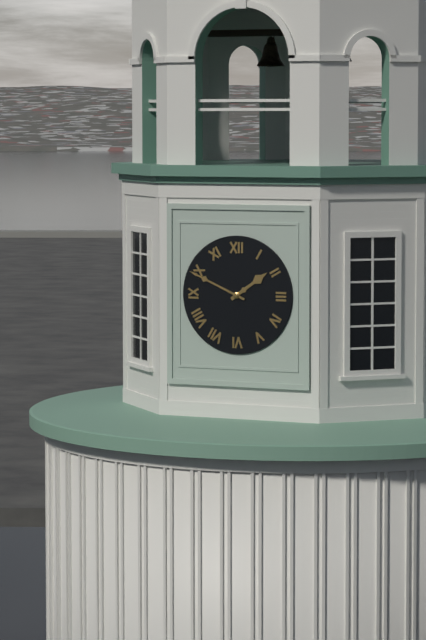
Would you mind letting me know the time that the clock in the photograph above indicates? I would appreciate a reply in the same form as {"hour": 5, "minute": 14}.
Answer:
{"hour": 1, "minute": 49}
